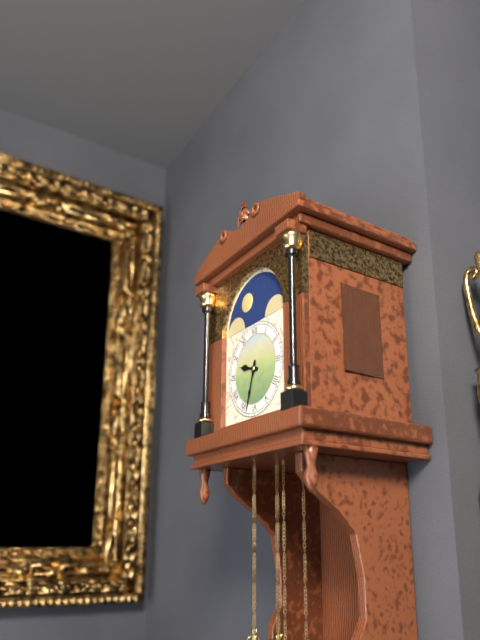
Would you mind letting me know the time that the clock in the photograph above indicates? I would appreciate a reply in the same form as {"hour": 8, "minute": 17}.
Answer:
{"hour": 9, "minute": 33}
